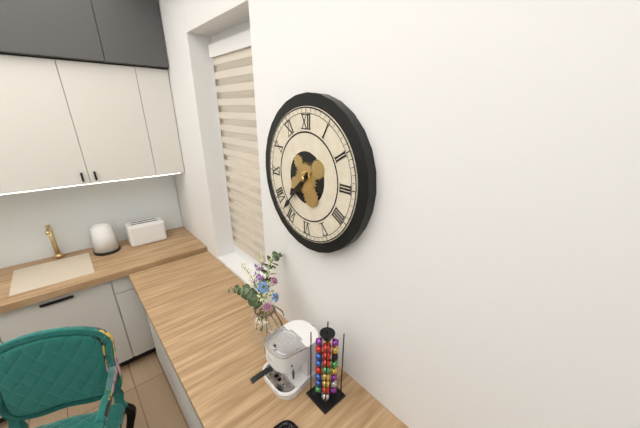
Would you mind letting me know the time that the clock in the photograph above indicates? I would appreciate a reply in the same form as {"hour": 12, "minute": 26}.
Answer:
{"hour": 7, "minute": 37}
